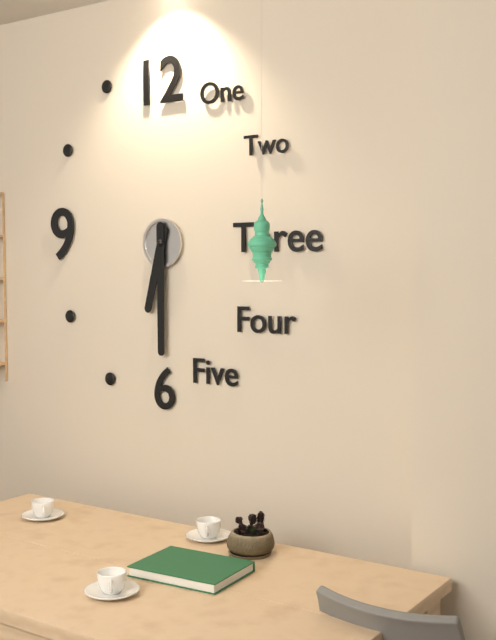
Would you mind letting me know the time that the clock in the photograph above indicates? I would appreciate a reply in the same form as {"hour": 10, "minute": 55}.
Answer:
{"hour": 6, "minute": 30}
